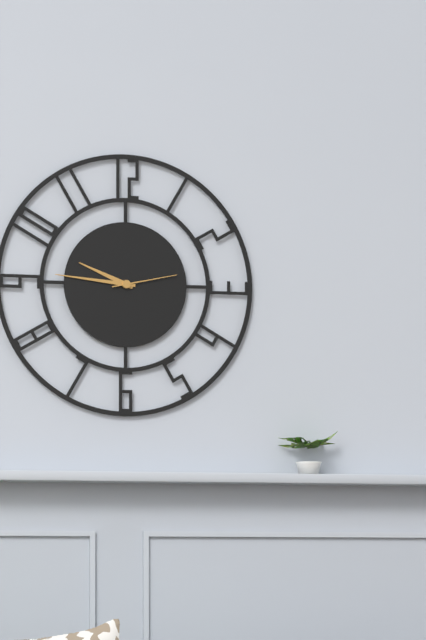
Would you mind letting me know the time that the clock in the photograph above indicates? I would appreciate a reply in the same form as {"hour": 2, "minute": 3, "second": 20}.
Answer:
{"hour": 9, "minute": 46, "second": 13}
